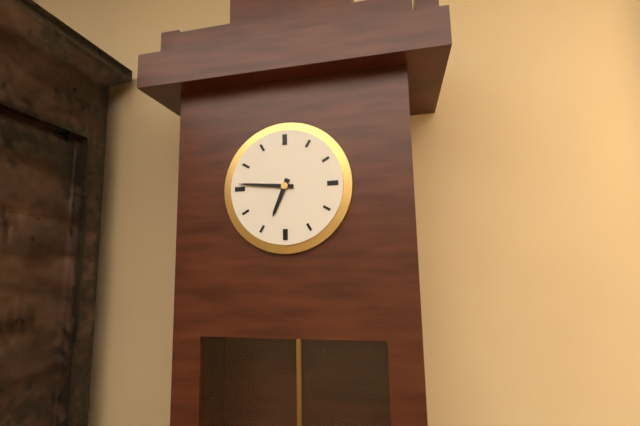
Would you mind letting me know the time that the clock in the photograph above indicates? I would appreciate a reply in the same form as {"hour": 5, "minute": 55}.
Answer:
{"hour": 6, "minute": 46}
